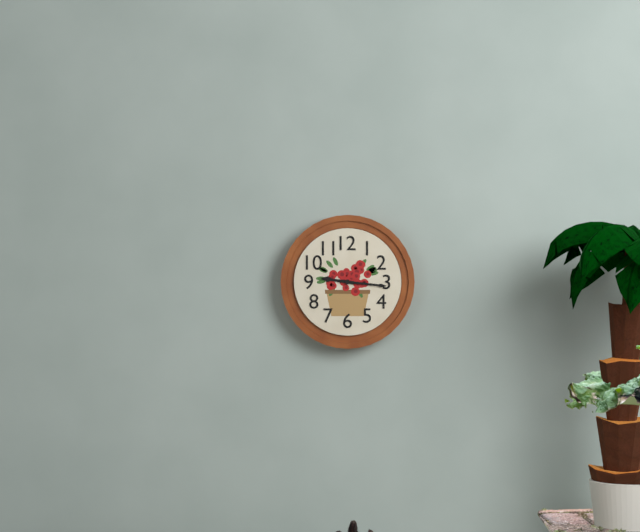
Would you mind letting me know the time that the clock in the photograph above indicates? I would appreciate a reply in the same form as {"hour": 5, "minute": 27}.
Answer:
{"hour": 9, "minute": 16}
